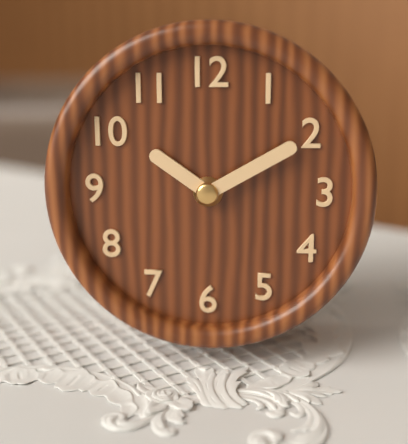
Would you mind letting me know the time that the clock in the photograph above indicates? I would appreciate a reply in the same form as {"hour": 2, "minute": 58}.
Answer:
{"hour": 10, "minute": 10}
